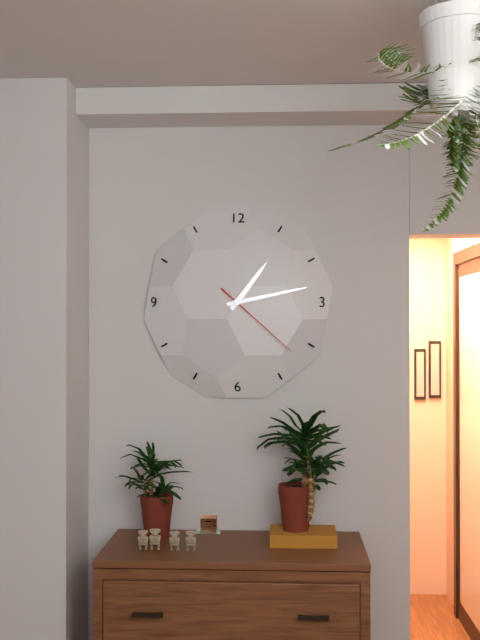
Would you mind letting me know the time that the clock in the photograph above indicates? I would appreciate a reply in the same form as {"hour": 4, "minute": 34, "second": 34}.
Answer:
{"hour": 1, "minute": 13, "second": 22}
